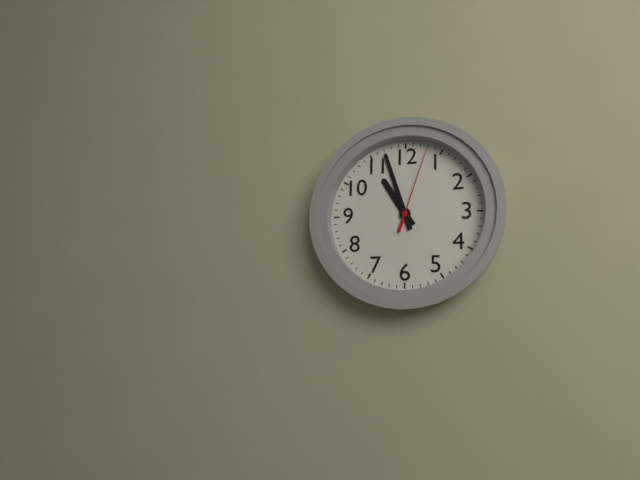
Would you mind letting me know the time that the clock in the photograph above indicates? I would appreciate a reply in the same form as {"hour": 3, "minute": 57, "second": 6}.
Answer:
{"hour": 10, "minute": 57, "second": 3}
